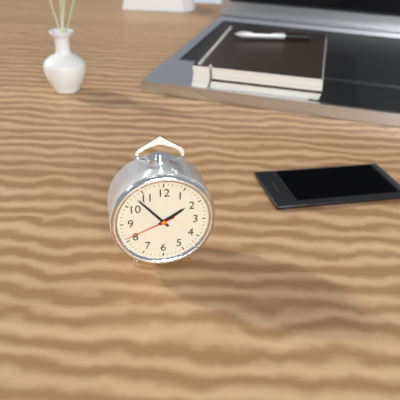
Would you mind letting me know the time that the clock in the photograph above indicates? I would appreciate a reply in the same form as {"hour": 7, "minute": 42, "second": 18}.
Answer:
{"hour": 1, "minute": 53, "second": 41}
